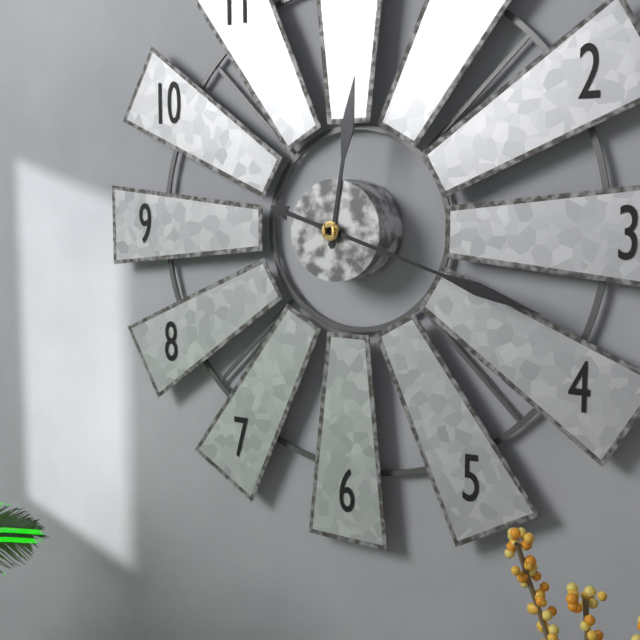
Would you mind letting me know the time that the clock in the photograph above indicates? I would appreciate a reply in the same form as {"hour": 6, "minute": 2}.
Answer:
{"hour": 12, "minute": 18}
